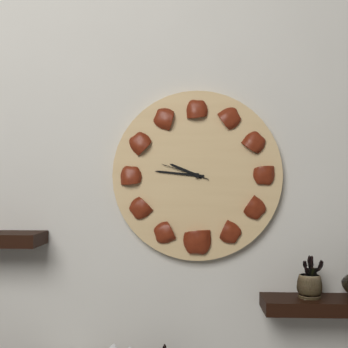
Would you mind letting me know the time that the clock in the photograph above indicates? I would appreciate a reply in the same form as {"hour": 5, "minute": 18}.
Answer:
{"hour": 9, "minute": 46}
